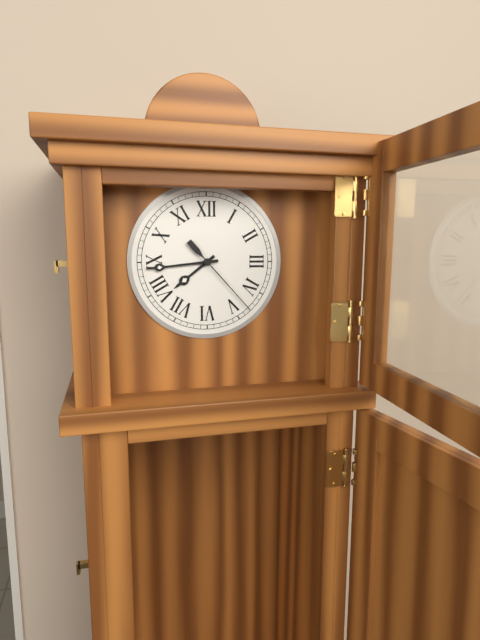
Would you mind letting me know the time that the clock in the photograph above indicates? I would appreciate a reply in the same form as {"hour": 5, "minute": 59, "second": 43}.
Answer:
{"hour": 7, "minute": 44, "second": 23}
